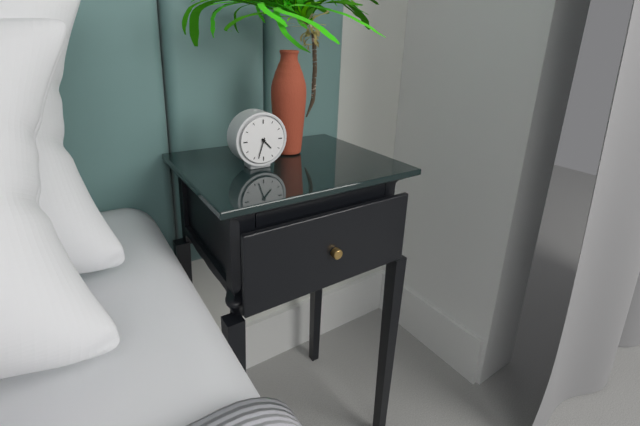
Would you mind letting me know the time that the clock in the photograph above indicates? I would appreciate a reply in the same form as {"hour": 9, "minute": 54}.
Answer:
{"hour": 4, "minute": 33}
